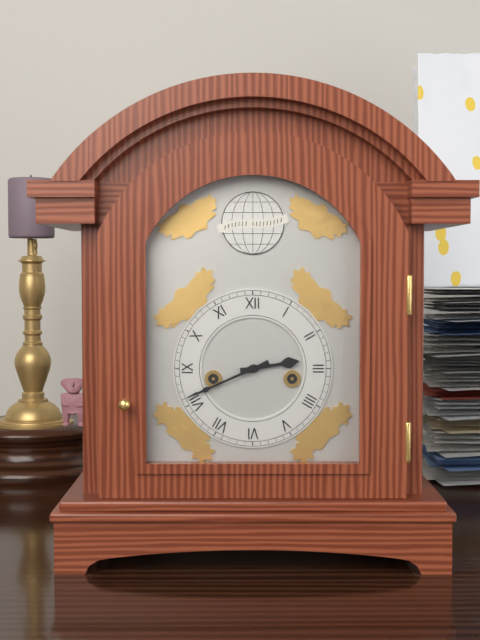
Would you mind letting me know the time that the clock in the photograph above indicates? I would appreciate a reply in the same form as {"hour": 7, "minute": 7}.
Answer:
{"hour": 2, "minute": 41}
